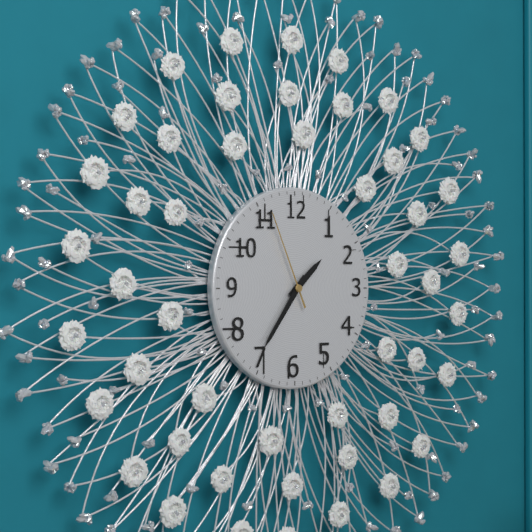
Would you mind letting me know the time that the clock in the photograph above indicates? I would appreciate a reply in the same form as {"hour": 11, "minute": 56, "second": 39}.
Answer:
{"hour": 1, "minute": 36, "second": 56}
